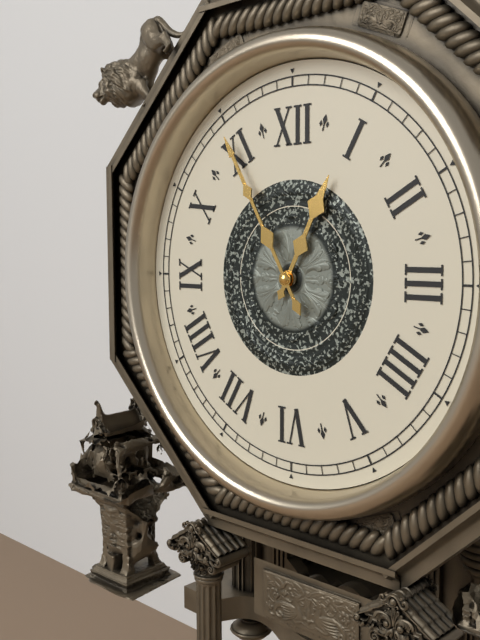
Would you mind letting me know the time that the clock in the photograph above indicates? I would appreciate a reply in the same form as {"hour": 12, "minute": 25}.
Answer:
{"hour": 12, "minute": 55}
